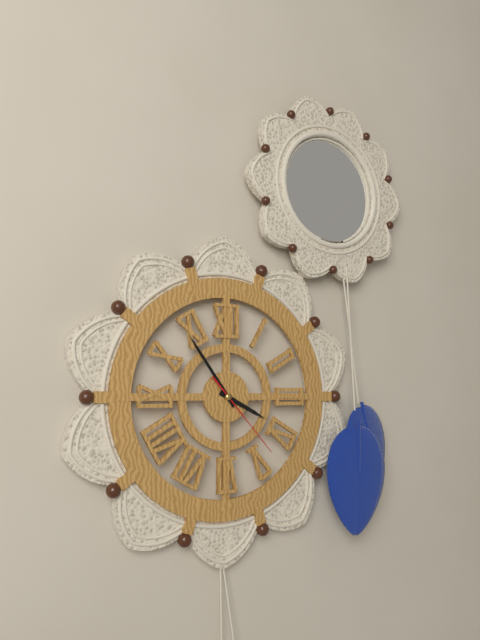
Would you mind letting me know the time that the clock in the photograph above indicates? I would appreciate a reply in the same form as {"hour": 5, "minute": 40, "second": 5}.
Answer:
{"hour": 3, "minute": 54, "second": 23}
